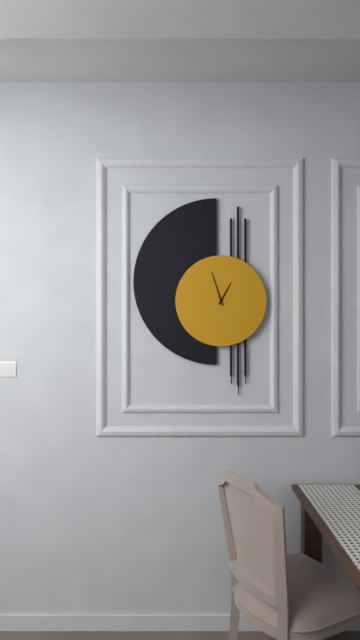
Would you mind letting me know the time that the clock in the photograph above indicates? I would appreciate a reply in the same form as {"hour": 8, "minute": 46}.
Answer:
{"hour": 12, "minute": 57}
